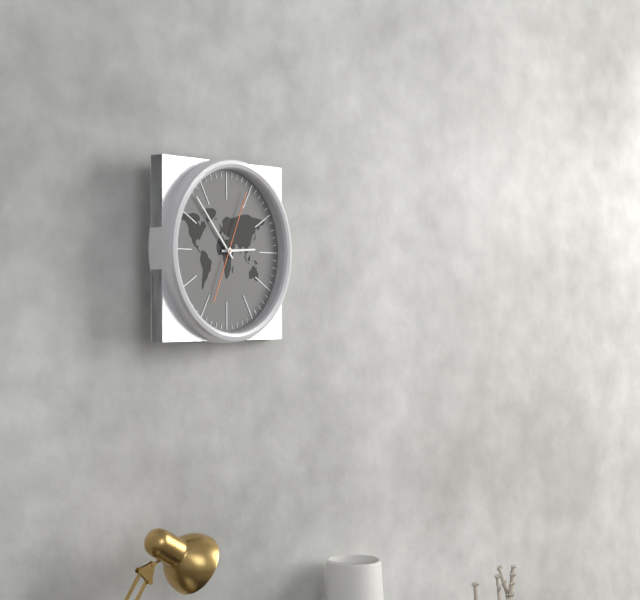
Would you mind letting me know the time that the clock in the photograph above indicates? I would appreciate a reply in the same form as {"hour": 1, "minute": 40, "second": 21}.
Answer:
{"hour": 2, "minute": 53, "second": 4}
